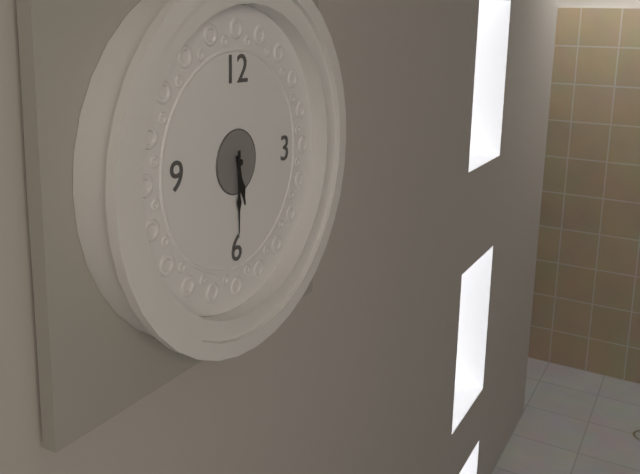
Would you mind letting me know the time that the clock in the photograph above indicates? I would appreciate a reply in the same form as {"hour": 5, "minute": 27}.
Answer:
{"hour": 5, "minute": 30}
